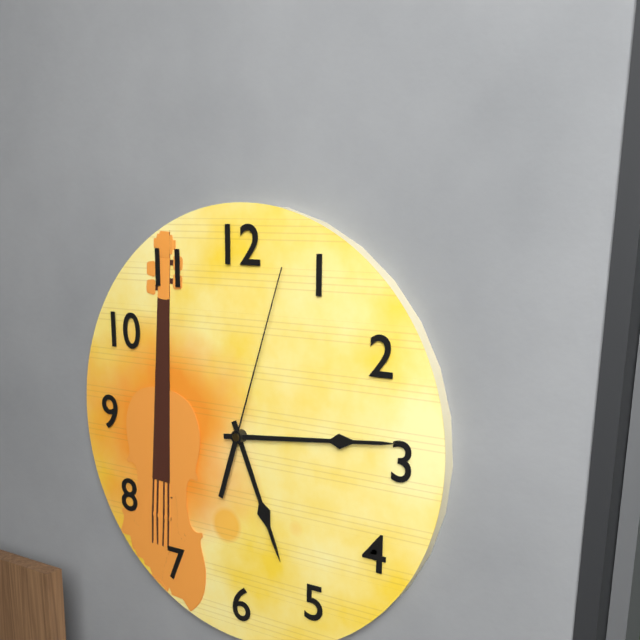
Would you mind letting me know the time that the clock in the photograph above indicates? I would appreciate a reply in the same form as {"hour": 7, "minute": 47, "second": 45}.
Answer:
{"hour": 5, "minute": 14, "second": 3}
